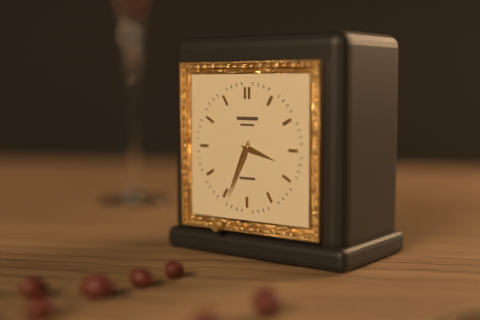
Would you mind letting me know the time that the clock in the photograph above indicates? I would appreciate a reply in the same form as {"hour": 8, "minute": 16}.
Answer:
{"hour": 3, "minute": 34}
